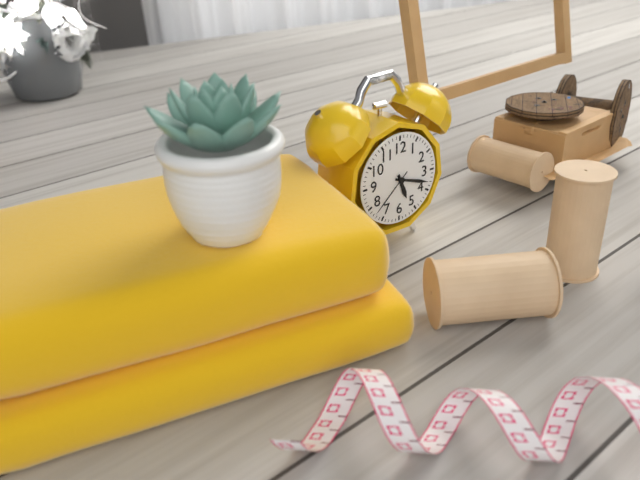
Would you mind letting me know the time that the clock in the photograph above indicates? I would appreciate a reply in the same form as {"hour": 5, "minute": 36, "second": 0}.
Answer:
{"hour": 5, "minute": 18, "second": 38}
